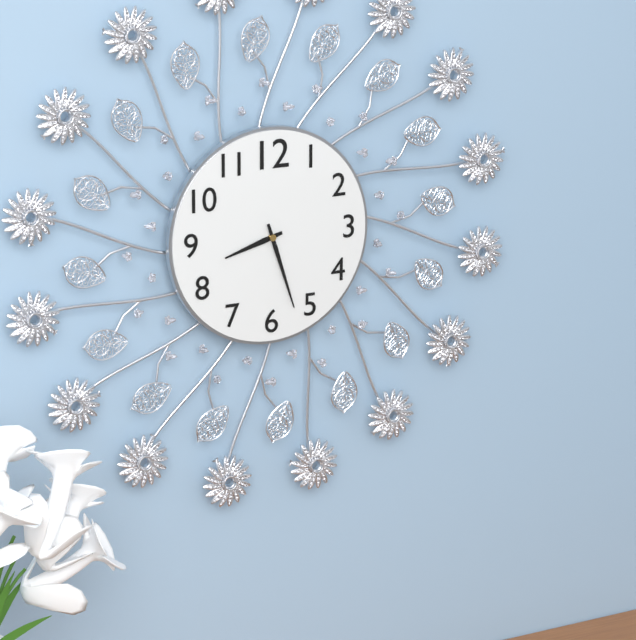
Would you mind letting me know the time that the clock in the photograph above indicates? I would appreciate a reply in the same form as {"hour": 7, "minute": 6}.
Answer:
{"hour": 8, "minute": 27}
